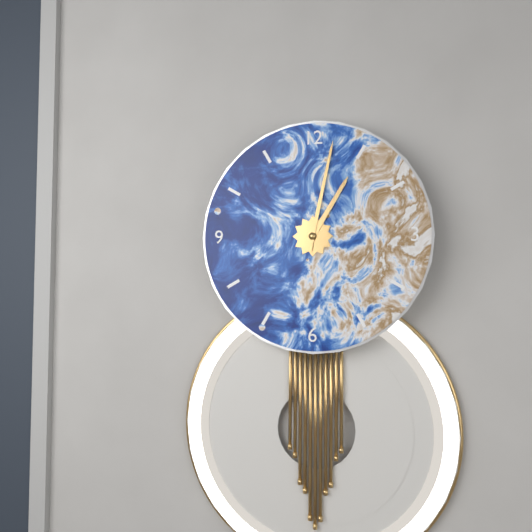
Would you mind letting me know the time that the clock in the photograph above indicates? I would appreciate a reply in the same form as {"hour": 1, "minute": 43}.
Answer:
{"hour": 1, "minute": 2}
